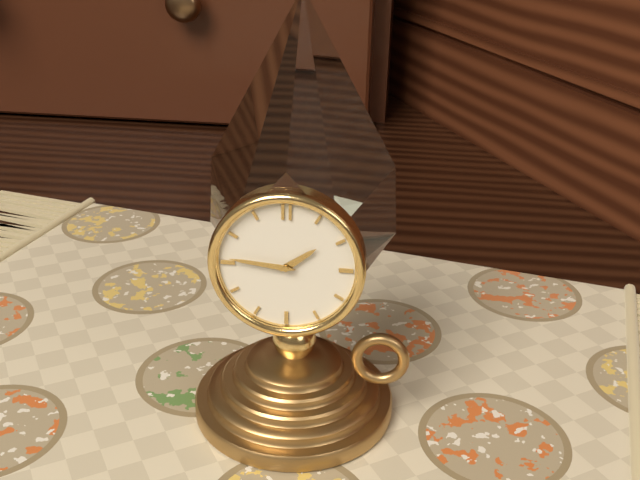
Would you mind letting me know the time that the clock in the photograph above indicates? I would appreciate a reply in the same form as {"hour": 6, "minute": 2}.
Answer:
{"hour": 1, "minute": 46}
